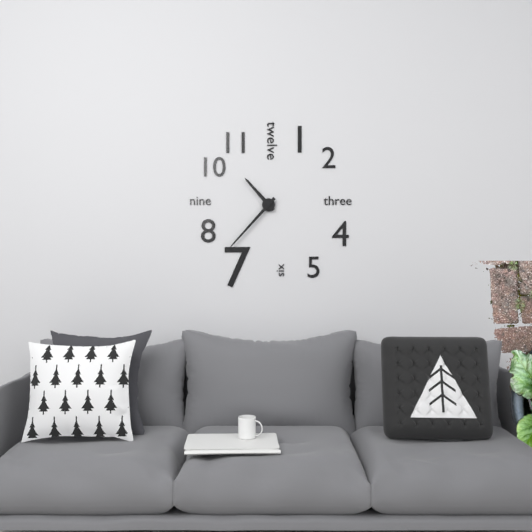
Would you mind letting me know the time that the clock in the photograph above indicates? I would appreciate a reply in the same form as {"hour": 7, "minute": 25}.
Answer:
{"hour": 10, "minute": 37}
